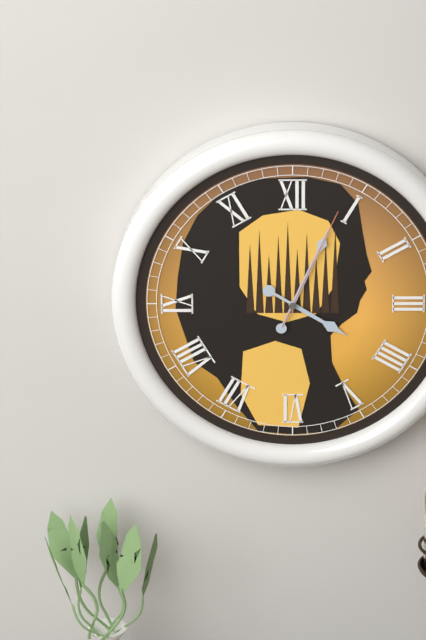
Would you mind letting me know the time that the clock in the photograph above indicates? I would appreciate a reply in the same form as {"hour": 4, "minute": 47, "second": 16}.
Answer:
{"hour": 4, "minute": 4, "second": 4}
